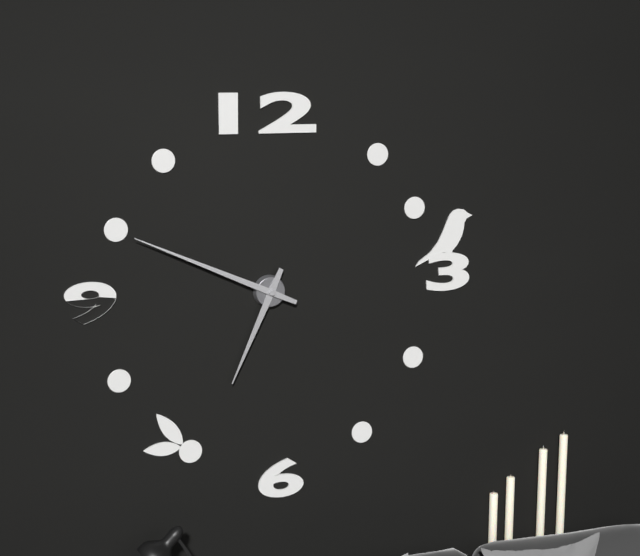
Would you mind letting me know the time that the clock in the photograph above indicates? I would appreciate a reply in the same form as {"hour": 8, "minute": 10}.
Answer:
{"hour": 6, "minute": 49}
